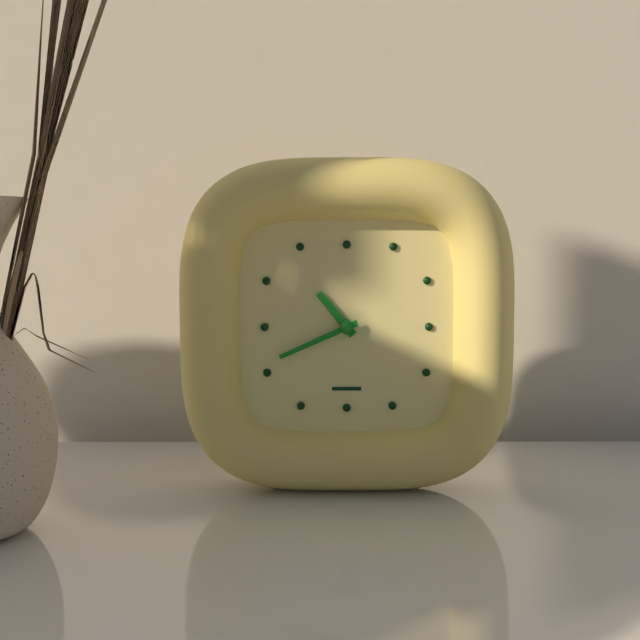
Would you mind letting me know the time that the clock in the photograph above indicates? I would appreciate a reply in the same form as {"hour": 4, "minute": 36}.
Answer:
{"hour": 10, "minute": 41}
